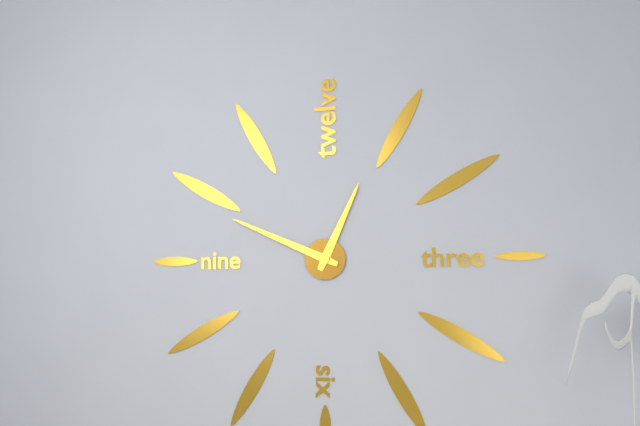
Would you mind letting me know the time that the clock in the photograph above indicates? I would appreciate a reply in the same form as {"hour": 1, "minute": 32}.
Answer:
{"hour": 12, "minute": 49}
